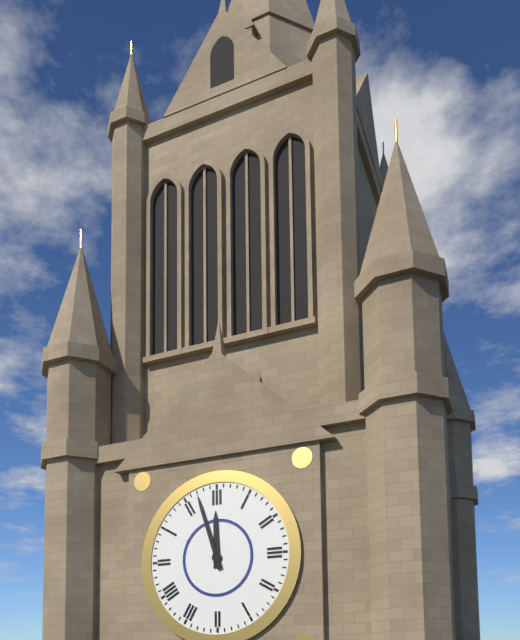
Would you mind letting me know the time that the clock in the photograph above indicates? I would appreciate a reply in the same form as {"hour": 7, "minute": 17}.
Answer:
{"hour": 11, "minute": 57}
